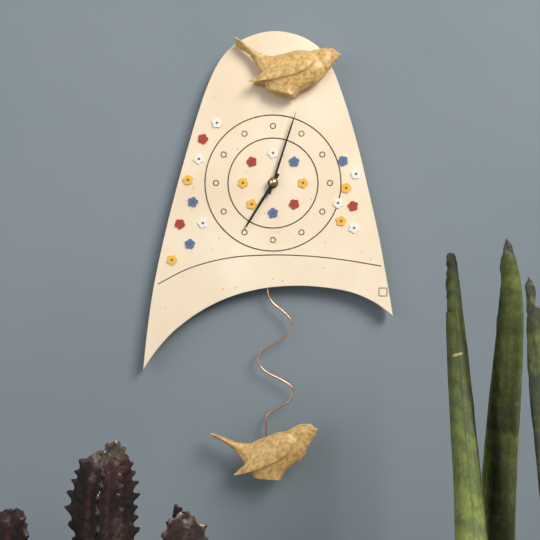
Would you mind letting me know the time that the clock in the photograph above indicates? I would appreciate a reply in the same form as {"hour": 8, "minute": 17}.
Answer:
{"hour": 7, "minute": 3}
